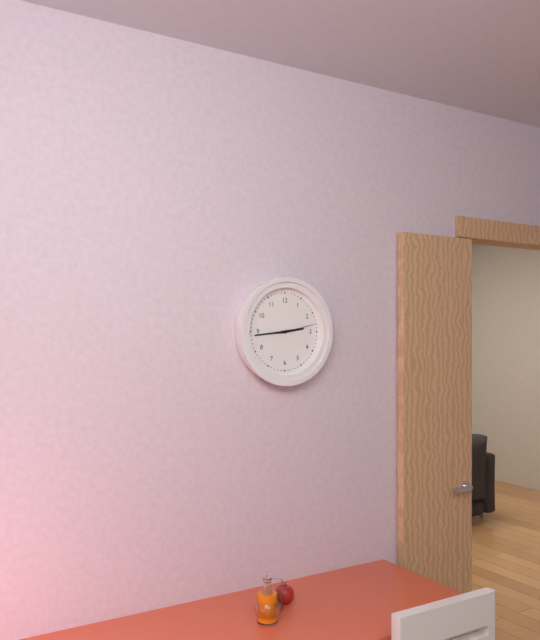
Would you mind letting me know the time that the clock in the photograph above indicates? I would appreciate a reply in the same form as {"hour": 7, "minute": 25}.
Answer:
{"hour": 2, "minute": 44}
